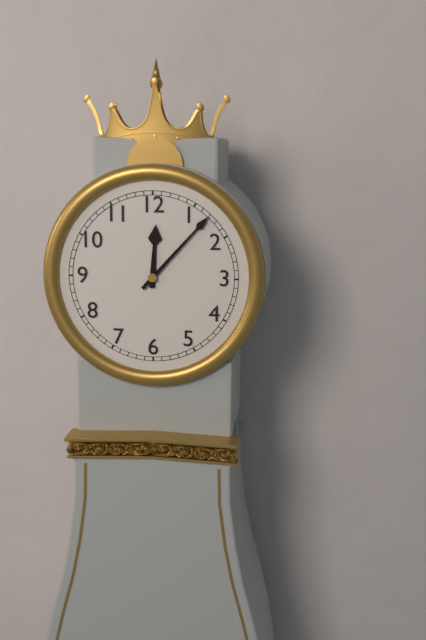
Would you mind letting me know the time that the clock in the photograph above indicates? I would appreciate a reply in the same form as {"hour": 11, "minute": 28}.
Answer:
{"hour": 12, "minute": 7}
